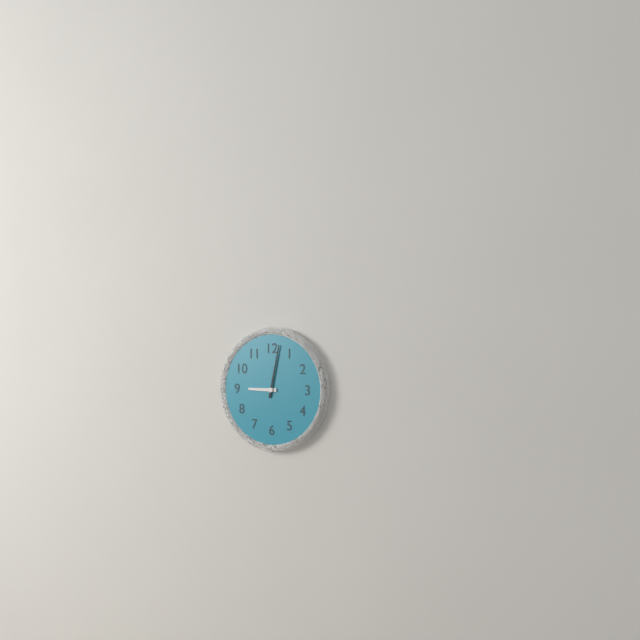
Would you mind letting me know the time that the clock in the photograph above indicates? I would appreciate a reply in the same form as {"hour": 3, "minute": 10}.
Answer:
{"hour": 9, "minute": 2}
